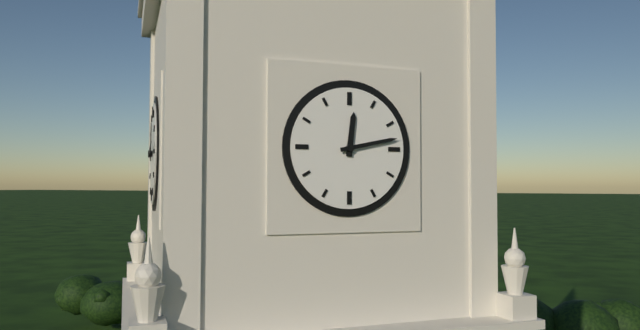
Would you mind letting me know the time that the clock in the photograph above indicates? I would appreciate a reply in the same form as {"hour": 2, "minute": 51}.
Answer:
{"hour": 12, "minute": 13}
